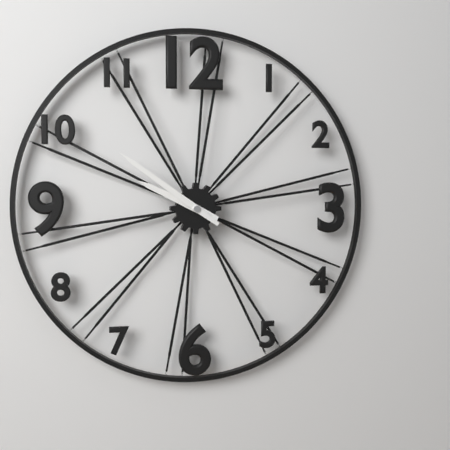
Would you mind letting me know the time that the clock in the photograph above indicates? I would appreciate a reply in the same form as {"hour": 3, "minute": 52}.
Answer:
{"hour": 9, "minute": 51}
